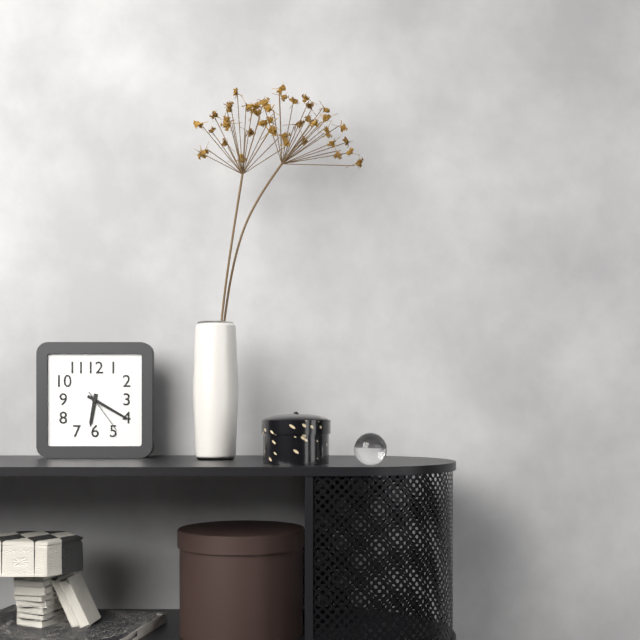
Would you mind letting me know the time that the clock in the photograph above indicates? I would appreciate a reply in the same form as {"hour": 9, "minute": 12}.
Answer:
{"hour": 6, "minute": 20}
